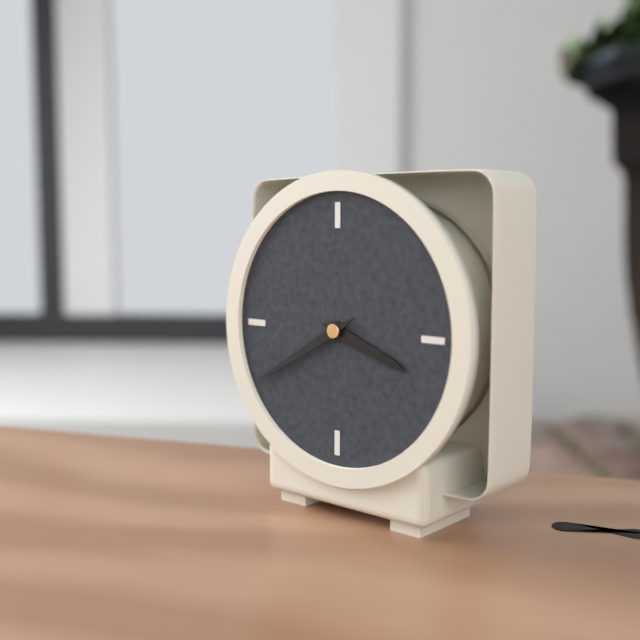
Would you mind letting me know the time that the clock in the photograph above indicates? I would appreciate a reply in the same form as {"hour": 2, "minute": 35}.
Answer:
{"hour": 3, "minute": 40}
